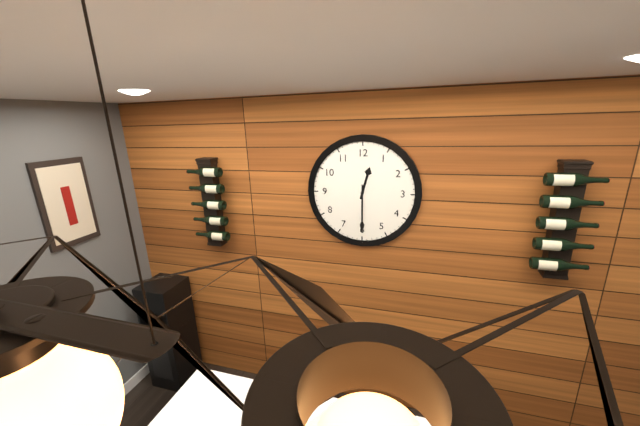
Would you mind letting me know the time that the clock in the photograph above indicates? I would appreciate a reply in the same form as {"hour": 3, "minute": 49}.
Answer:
{"hour": 12, "minute": 30}
